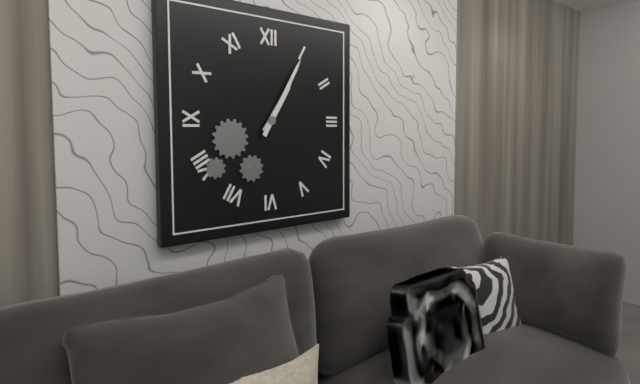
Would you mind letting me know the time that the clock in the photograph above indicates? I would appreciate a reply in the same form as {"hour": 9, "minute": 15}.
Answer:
{"hour": 1, "minute": 5}
